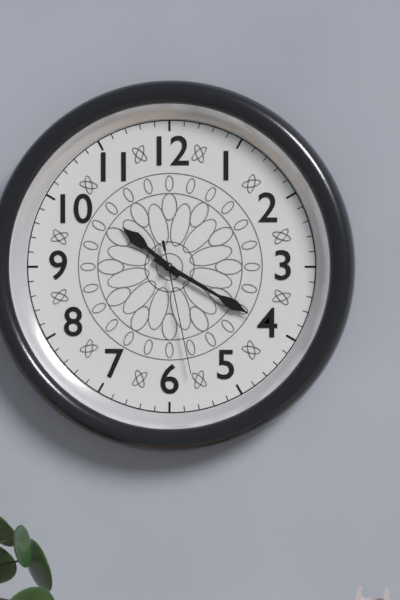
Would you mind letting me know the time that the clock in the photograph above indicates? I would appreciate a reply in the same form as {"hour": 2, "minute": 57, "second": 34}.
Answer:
{"hour": 10, "minute": 20, "second": 28}
